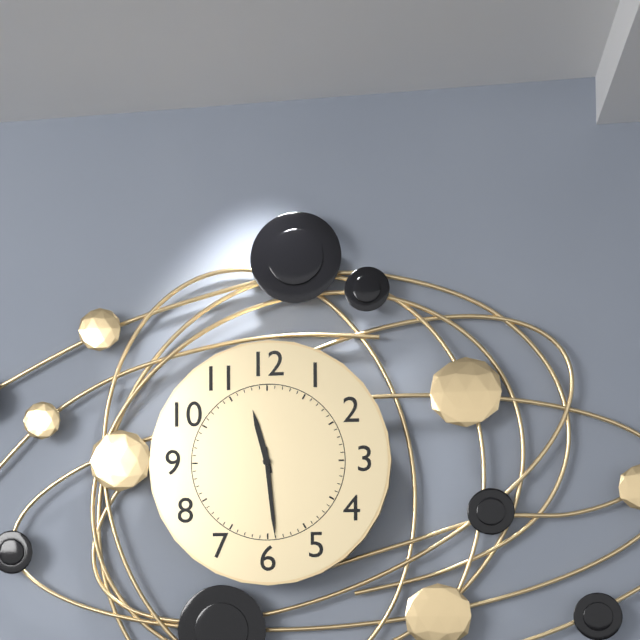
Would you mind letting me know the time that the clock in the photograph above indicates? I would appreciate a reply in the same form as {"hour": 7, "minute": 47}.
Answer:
{"hour": 11, "minute": 29}
